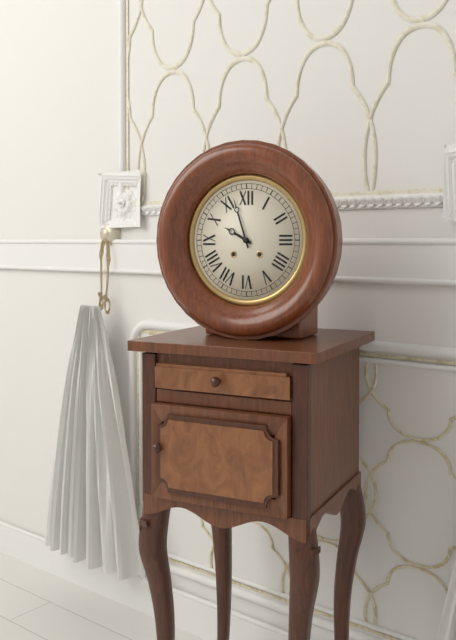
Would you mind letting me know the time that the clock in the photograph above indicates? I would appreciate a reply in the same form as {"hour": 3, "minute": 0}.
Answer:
{"hour": 9, "minute": 57}
